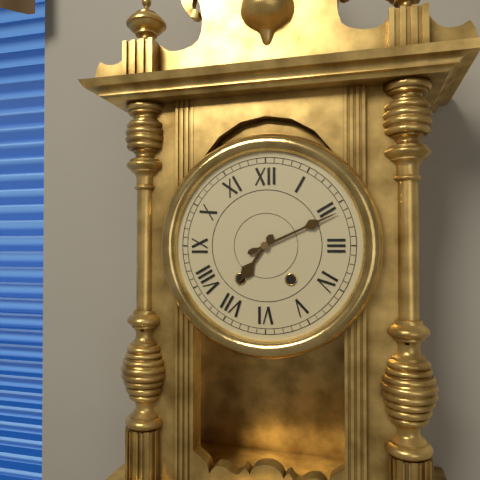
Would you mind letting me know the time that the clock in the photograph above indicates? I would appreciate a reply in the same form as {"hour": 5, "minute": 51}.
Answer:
{"hour": 7, "minute": 11}
